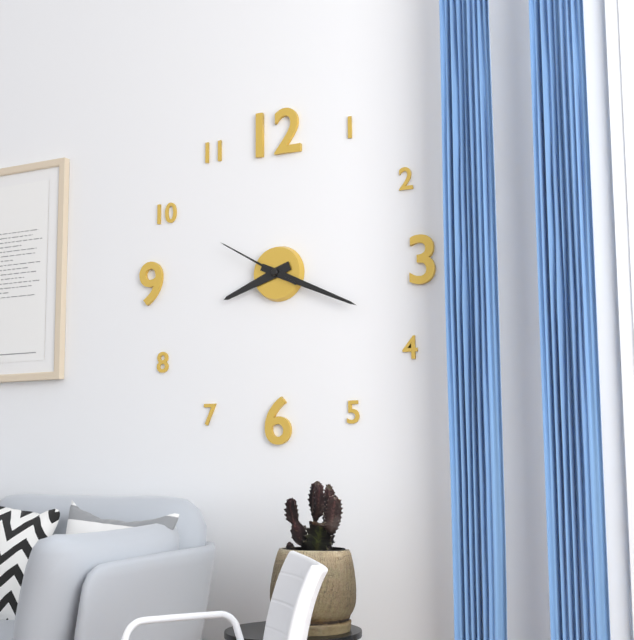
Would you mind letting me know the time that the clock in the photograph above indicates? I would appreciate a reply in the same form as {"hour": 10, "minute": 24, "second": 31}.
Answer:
{"hour": 8, "minute": 19, "second": 50}
